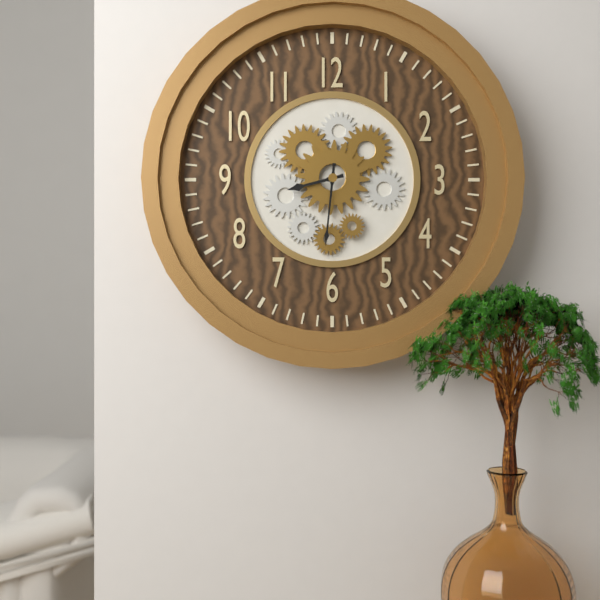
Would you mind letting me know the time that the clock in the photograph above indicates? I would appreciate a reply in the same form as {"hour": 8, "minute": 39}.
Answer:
{"hour": 8, "minute": 31}
